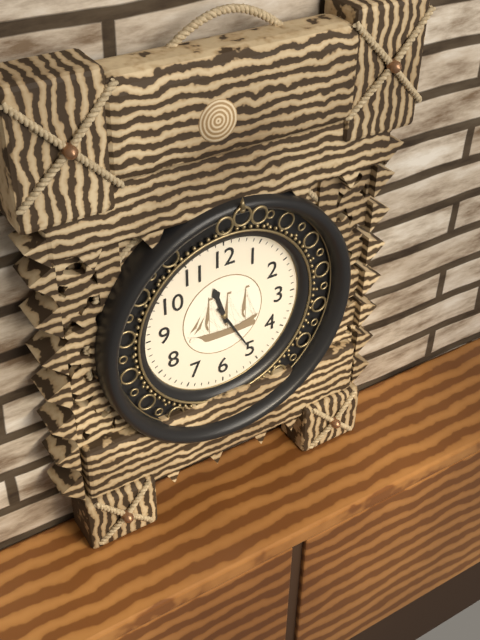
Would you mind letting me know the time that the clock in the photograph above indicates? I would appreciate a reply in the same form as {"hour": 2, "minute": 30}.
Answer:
{"hour": 11, "minute": 25}
